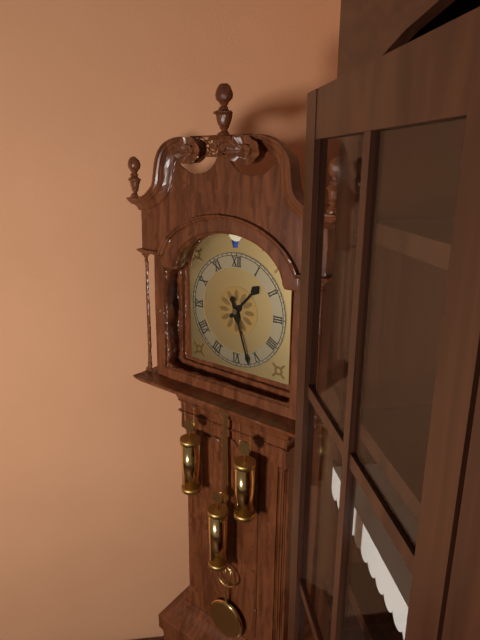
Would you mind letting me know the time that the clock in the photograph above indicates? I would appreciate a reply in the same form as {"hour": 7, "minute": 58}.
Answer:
{"hour": 1, "minute": 27}
